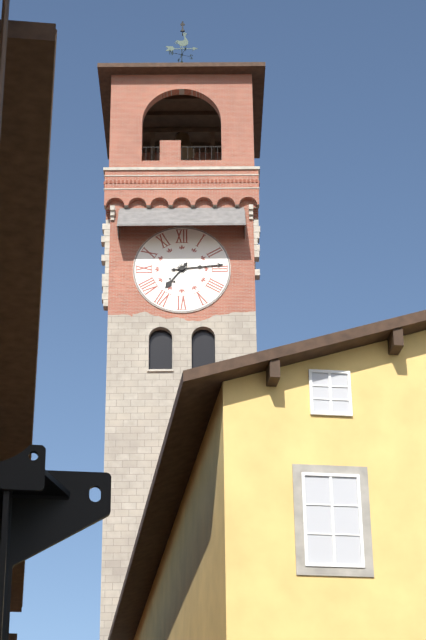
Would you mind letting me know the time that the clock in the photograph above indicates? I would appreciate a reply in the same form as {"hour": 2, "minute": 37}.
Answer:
{"hour": 7, "minute": 14}
